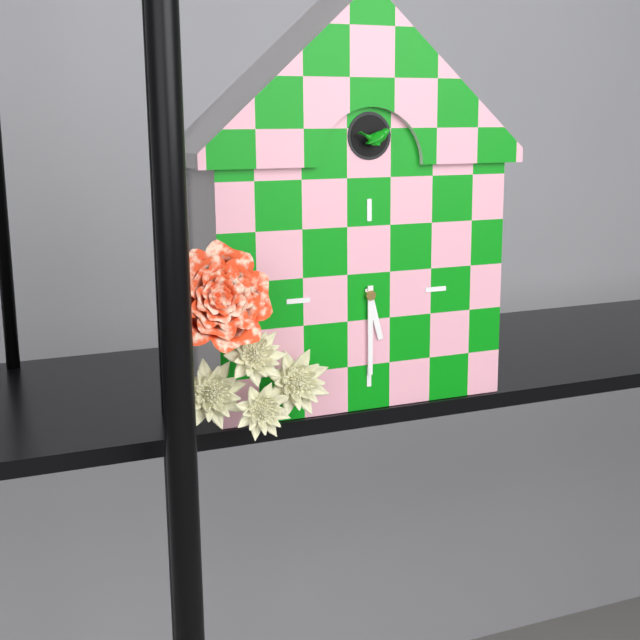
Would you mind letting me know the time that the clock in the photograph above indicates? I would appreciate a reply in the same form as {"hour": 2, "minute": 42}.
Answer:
{"hour": 5, "minute": 30}
